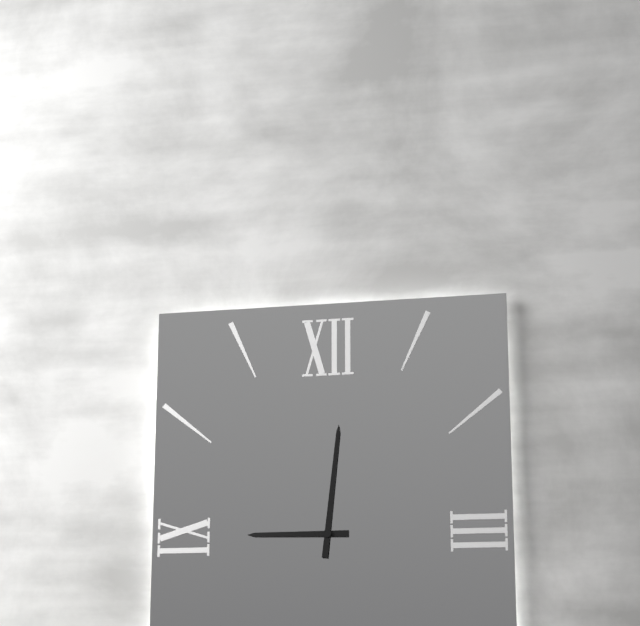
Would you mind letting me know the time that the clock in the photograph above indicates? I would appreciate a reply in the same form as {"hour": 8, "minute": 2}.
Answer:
{"hour": 9, "minute": 1}
